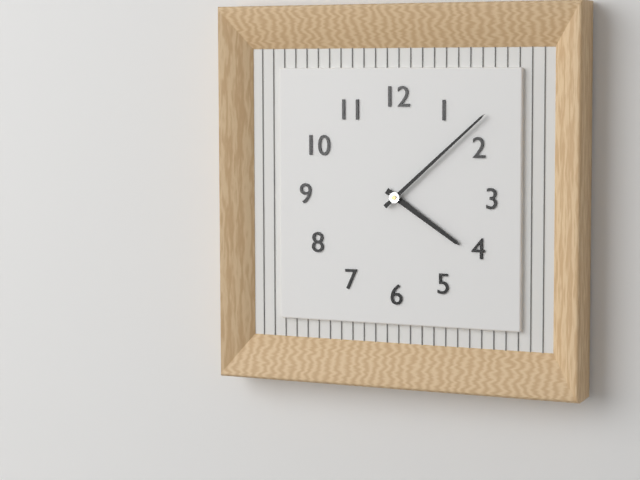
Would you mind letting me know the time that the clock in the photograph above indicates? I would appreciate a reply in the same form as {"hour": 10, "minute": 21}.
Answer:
{"hour": 4, "minute": 8}
